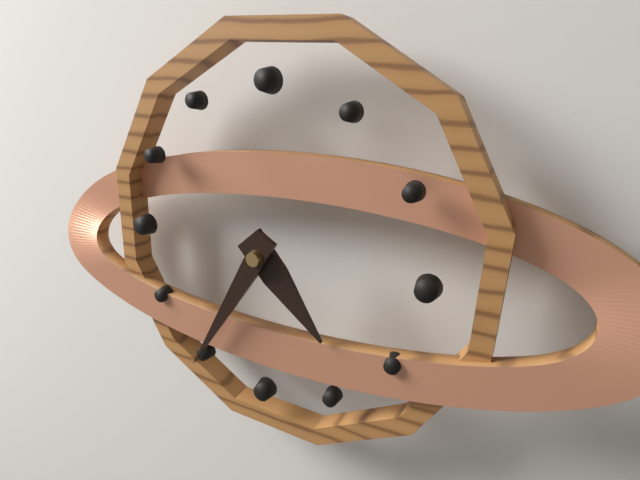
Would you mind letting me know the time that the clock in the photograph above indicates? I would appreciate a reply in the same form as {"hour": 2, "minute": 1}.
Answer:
{"hour": 4, "minute": 35}
